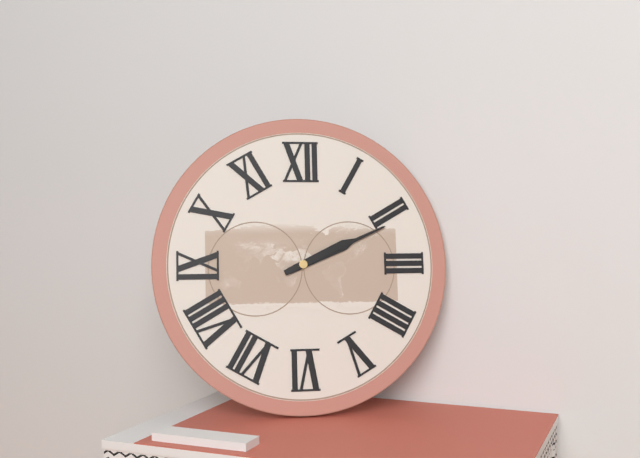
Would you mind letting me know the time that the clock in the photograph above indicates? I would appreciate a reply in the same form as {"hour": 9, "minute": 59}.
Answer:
{"hour": 2, "minute": 11}
